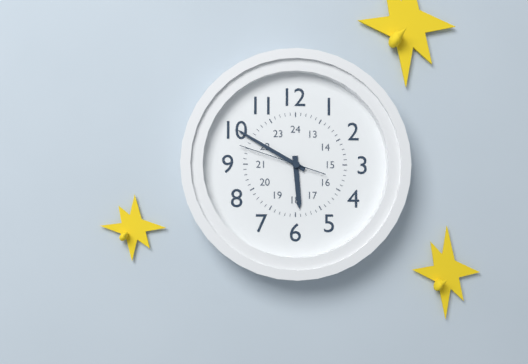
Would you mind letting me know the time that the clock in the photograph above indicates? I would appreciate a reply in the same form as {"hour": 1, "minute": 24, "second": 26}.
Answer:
{"hour": 5, "minute": 50, "second": 48}
